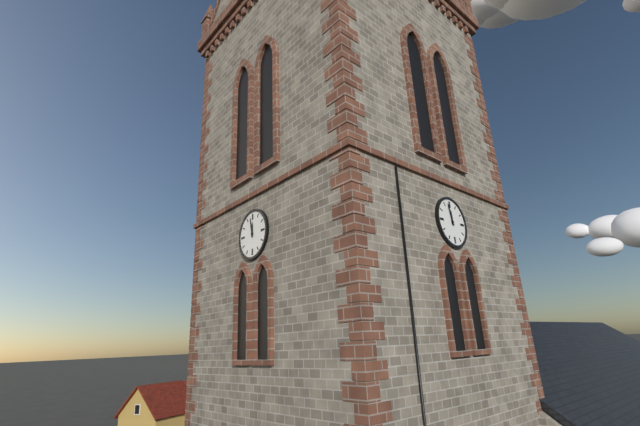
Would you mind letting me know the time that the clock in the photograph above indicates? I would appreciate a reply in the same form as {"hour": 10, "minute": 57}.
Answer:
{"hour": 11, "minute": 58}
